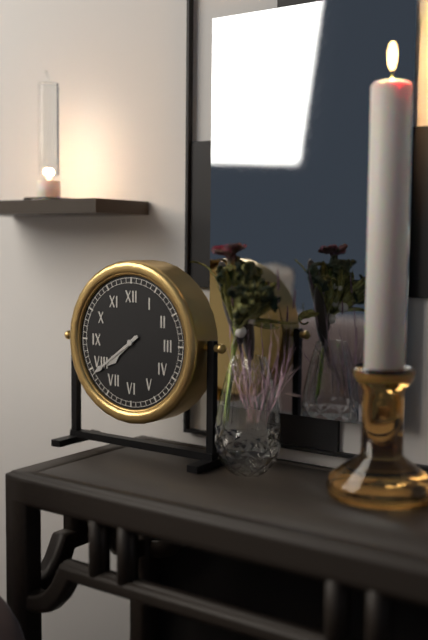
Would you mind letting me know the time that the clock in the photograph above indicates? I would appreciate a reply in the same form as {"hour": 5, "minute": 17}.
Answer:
{"hour": 7, "minute": 39}
